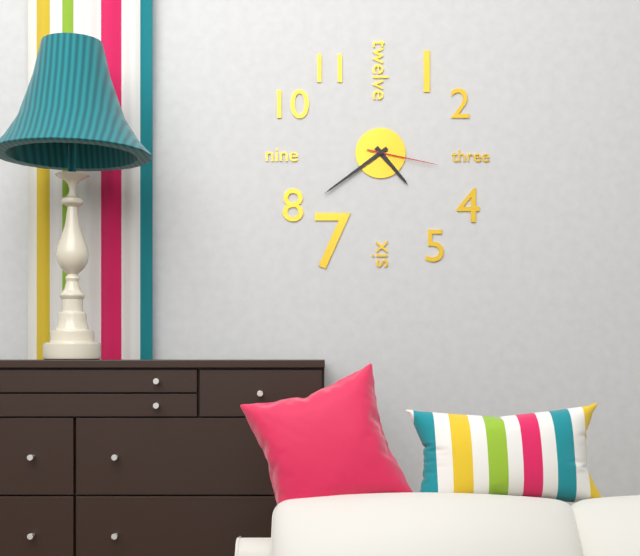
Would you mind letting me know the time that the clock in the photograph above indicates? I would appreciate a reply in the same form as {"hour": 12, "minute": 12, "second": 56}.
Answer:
{"hour": 4, "minute": 39, "second": 17}
